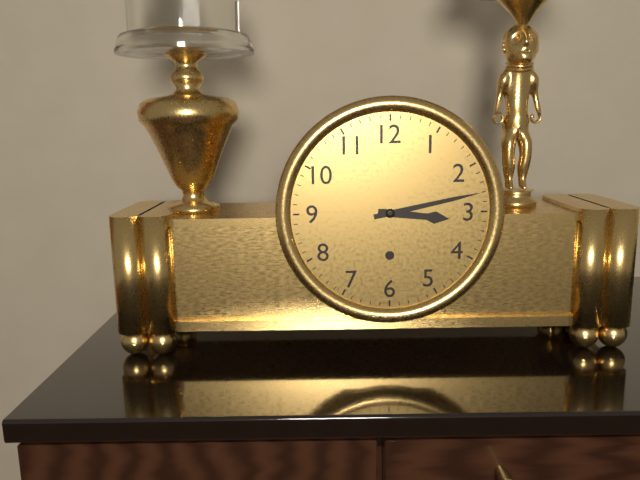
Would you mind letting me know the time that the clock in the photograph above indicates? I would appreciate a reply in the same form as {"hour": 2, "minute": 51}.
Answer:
{"hour": 3, "minute": 13}
